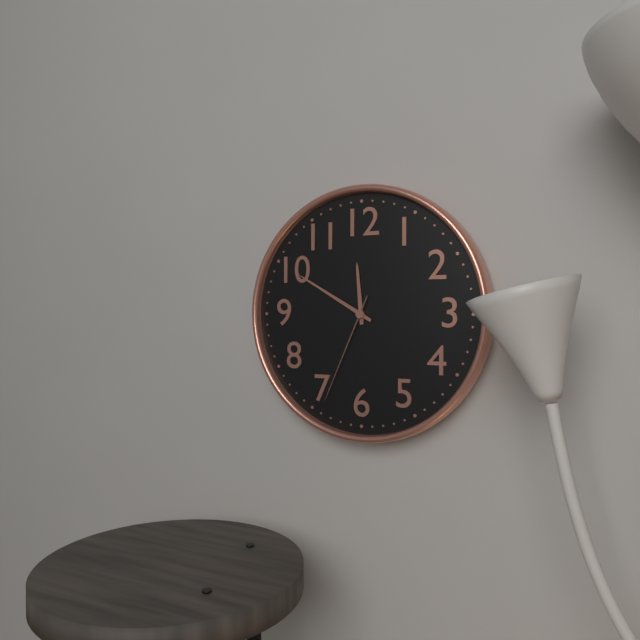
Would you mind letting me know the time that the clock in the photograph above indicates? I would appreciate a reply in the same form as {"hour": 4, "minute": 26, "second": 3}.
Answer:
{"hour": 11, "minute": 50, "second": 34}
